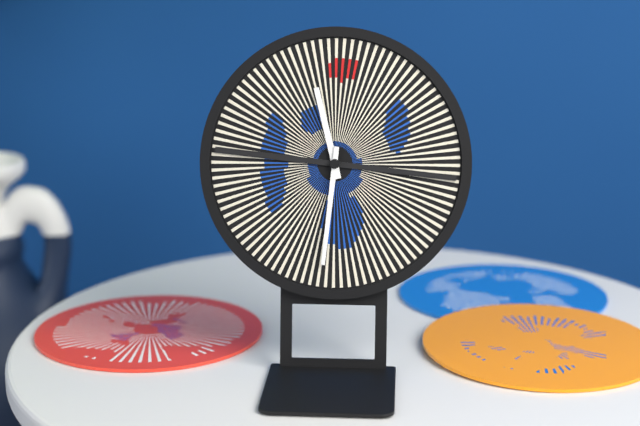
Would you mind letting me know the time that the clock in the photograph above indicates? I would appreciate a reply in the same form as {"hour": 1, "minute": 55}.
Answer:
{"hour": 11, "minute": 31}
